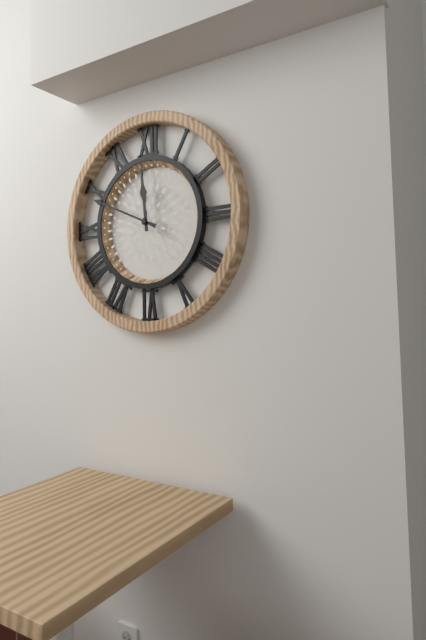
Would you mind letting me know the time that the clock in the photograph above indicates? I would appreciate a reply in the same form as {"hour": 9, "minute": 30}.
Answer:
{"hour": 11, "minute": 49}
